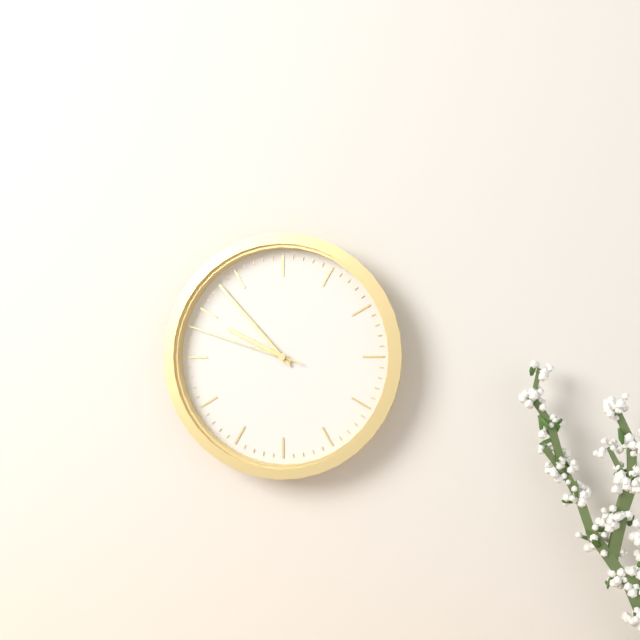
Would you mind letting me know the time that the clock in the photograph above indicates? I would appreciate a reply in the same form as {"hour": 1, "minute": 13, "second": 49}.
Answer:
{"hour": 9, "minute": 53, "second": 48}
